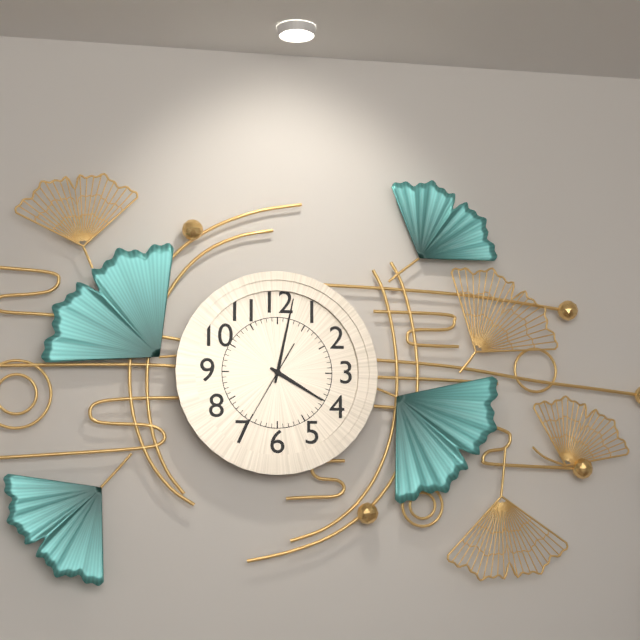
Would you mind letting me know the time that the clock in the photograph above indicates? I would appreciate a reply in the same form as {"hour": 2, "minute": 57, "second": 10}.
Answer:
{"hour": 4, "minute": 2, "second": 35}
